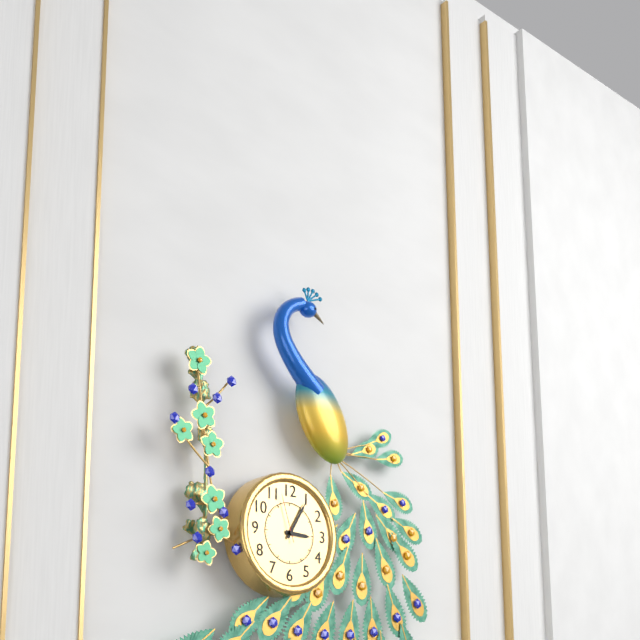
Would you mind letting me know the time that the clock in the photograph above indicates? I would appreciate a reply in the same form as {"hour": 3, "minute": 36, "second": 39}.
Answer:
{"hour": 3, "minute": 5, "second": 57}
